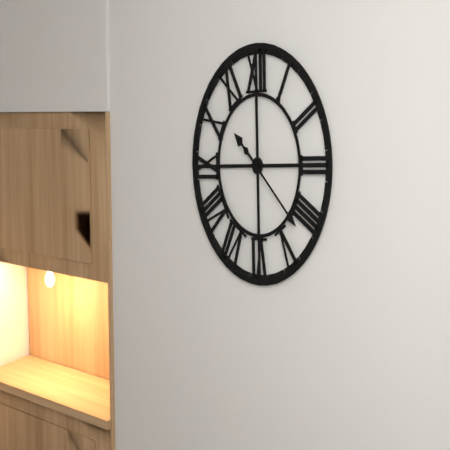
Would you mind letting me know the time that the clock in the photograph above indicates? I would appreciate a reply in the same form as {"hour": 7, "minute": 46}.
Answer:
{"hour": 10, "minute": 22}
